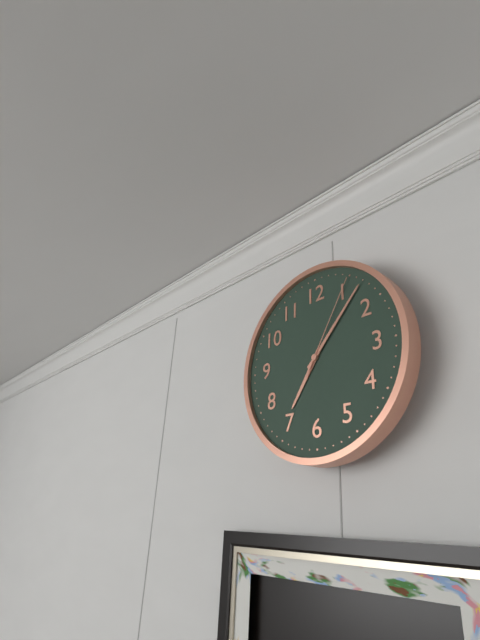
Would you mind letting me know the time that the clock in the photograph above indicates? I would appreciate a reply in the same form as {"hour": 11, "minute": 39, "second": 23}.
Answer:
{"hour": 7, "minute": 7, "second": 5}
